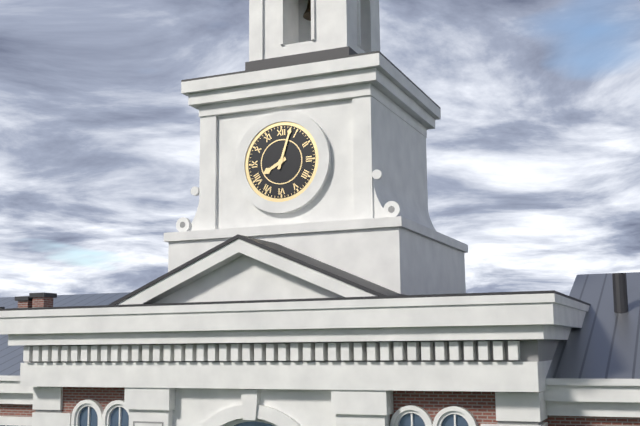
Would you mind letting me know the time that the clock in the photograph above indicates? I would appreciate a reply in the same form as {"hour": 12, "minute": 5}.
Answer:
{"hour": 8, "minute": 3}
